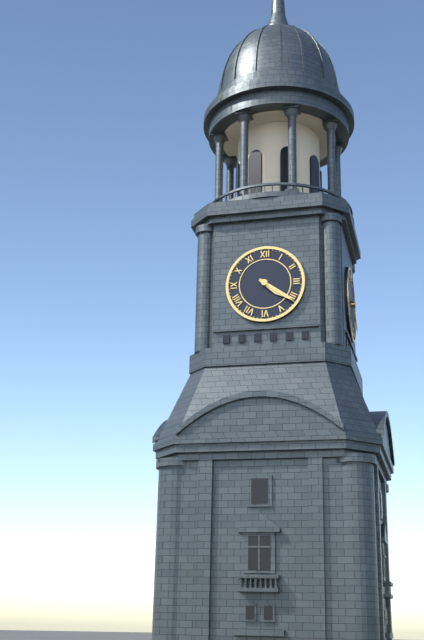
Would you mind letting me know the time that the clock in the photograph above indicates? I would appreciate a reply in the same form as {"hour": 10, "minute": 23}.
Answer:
{"hour": 4, "minute": 21}
